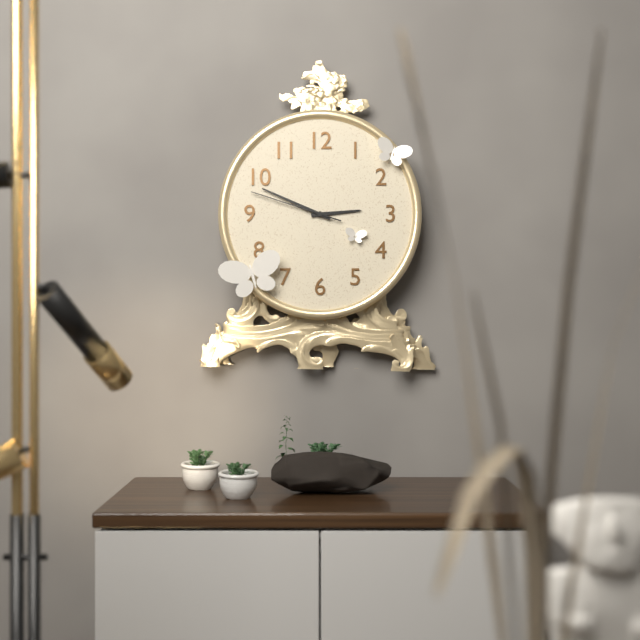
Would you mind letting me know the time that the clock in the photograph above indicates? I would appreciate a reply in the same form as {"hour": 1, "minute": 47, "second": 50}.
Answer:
{"hour": 2, "minute": 49, "second": 48}
